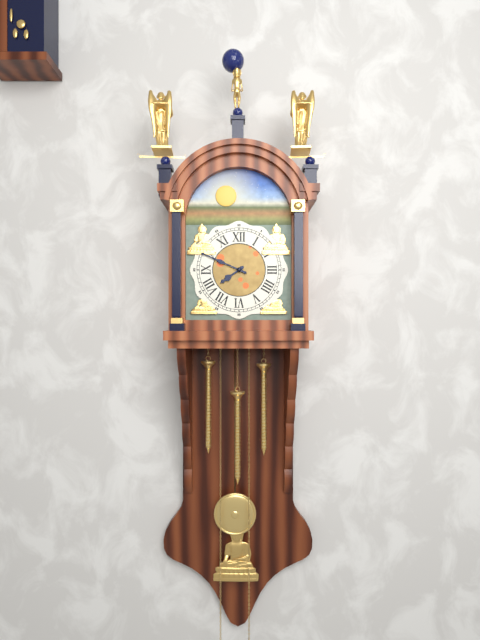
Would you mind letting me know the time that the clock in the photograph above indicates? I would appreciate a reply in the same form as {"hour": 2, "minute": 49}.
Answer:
{"hour": 7, "minute": 49}
